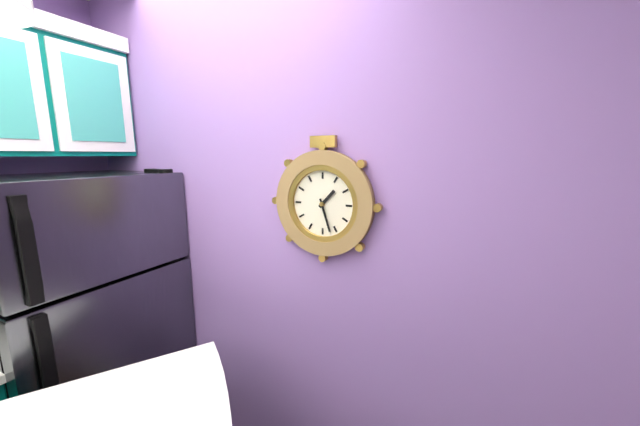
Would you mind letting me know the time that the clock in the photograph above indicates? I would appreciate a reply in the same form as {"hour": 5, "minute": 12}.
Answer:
{"hour": 1, "minute": 27}
